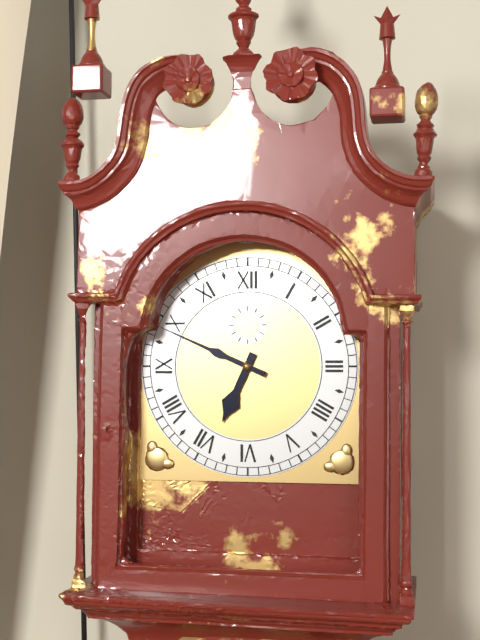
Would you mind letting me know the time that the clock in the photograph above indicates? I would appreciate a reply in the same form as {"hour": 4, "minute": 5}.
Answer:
{"hour": 6, "minute": 49}
